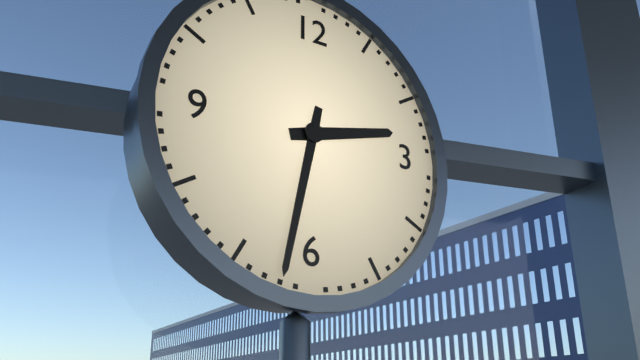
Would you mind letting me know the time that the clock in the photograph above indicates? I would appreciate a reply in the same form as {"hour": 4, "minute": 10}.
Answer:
{"hour": 2, "minute": 32}
